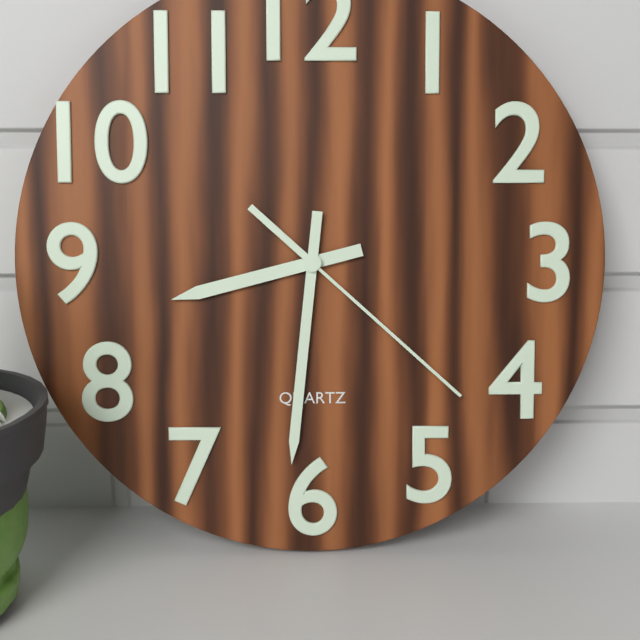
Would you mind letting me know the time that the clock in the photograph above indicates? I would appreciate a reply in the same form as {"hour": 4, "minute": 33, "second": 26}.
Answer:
{"hour": 8, "minute": 31, "second": 22}
